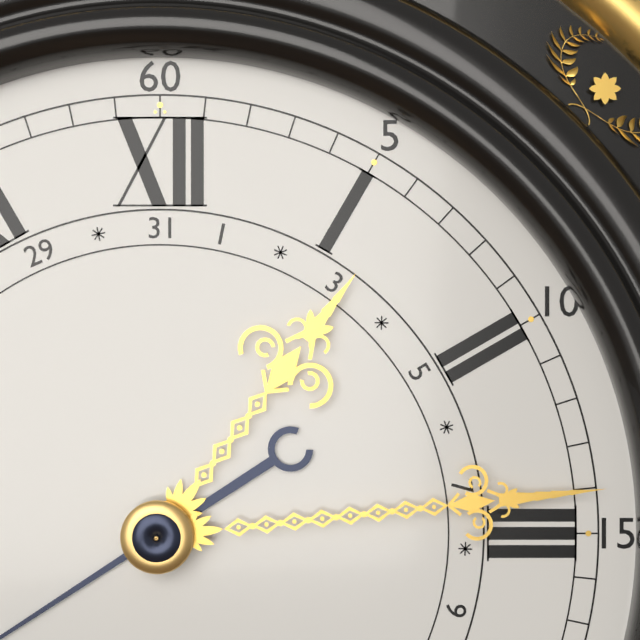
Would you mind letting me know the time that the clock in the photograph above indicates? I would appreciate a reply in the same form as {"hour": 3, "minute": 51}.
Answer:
{"hour": 1, "minute": 14}
